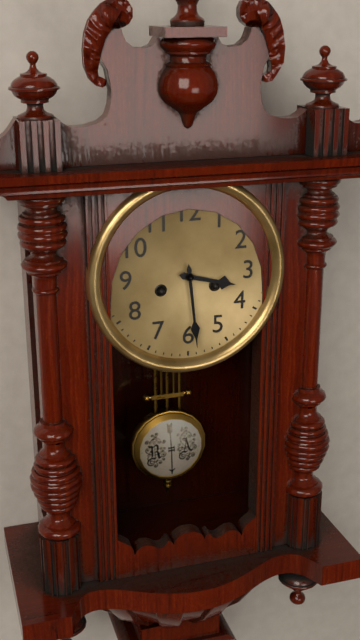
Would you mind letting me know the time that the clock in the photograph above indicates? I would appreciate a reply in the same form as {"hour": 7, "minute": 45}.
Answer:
{"hour": 3, "minute": 29}
